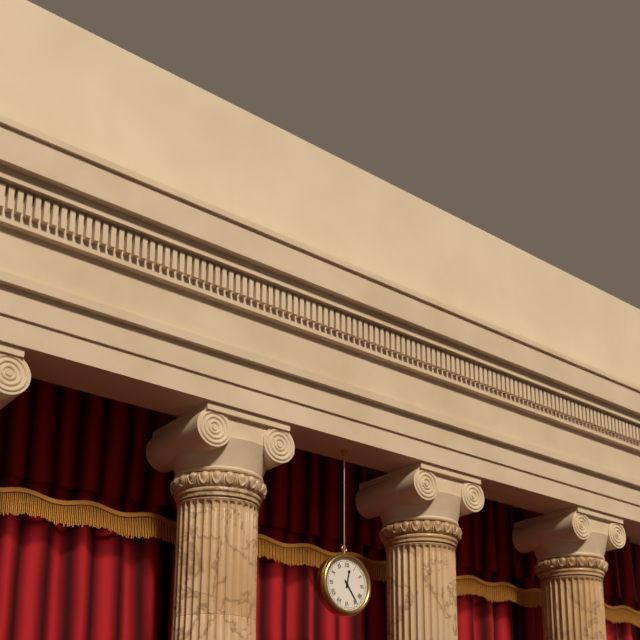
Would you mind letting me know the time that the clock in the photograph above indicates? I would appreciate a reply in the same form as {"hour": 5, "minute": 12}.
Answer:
{"hour": 12, "minute": 24}
